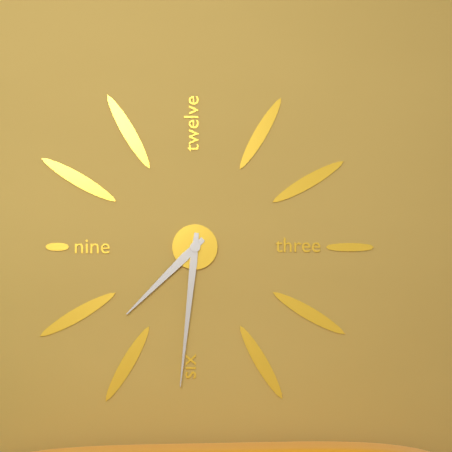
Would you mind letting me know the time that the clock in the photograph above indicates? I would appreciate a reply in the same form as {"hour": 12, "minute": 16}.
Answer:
{"hour": 7, "minute": 31}
